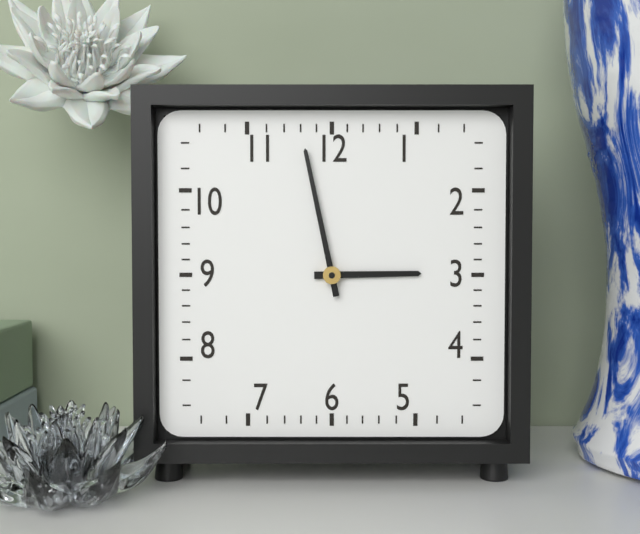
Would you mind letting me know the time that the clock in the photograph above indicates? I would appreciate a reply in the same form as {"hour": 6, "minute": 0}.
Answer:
{"hour": 2, "minute": 58}
